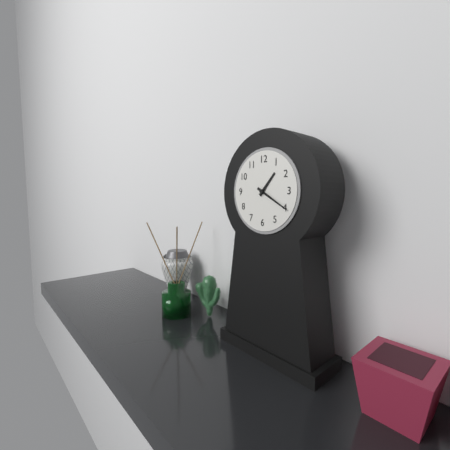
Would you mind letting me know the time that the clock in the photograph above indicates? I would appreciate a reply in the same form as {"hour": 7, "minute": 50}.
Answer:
{"hour": 1, "minute": 20}
